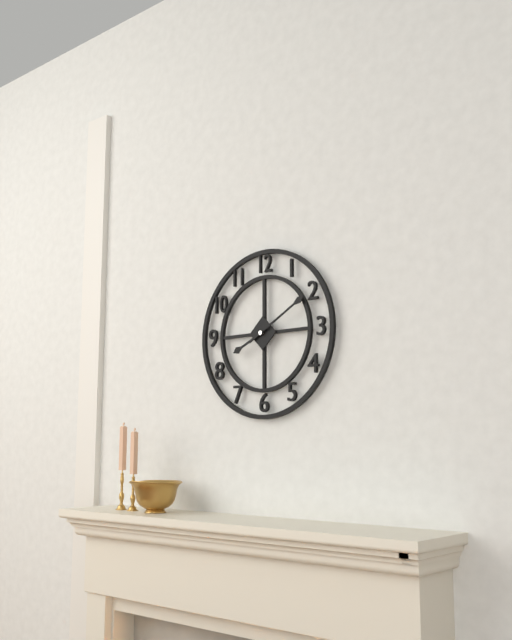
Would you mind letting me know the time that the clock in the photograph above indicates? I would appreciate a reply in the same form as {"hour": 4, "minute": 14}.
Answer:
{"hour": 8, "minute": 10}
